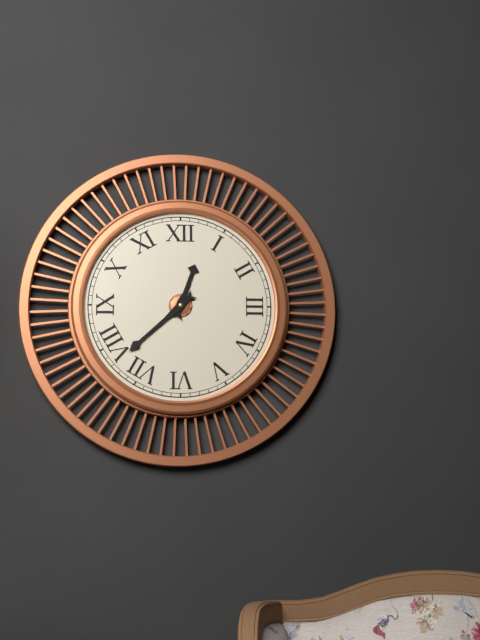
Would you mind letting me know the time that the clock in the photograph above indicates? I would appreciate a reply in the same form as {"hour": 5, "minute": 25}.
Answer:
{"hour": 12, "minute": 38}
